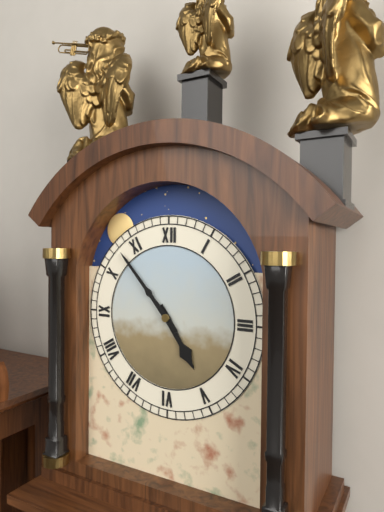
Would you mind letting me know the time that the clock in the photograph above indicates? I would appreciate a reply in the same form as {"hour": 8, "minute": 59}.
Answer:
{"hour": 4, "minute": 53}
